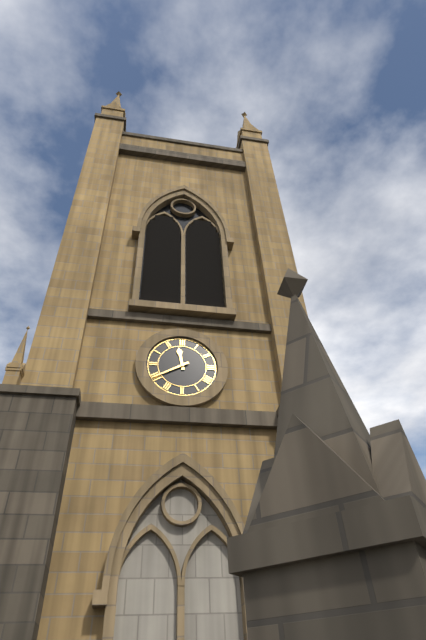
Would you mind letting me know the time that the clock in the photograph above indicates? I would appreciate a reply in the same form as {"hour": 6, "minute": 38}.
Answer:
{"hour": 11, "minute": 40}
